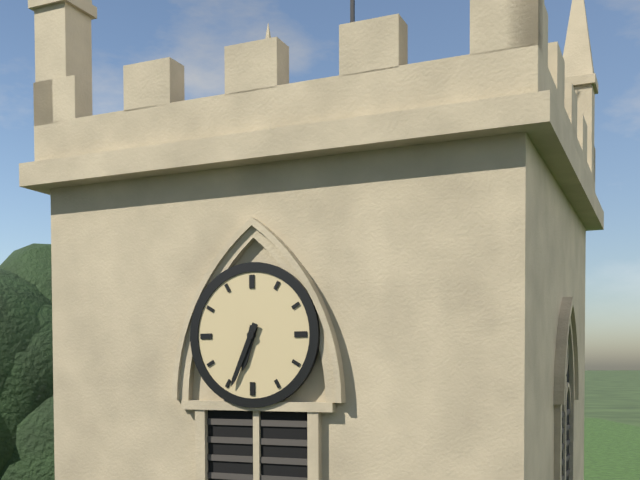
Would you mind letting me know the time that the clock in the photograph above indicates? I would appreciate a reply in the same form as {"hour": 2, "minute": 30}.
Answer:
{"hour": 6, "minute": 34}
